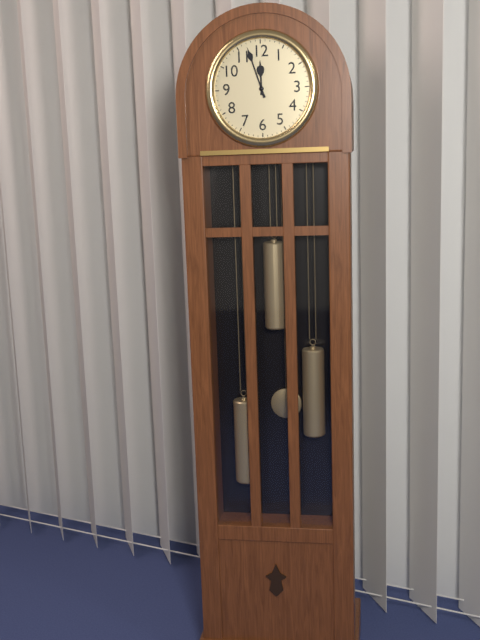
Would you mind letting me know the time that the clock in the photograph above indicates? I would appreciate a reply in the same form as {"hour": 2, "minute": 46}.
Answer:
{"hour": 11, "minute": 57}
